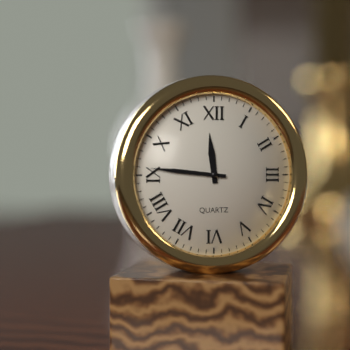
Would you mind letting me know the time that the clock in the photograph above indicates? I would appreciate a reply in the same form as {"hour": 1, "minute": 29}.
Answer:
{"hour": 11, "minute": 46}
